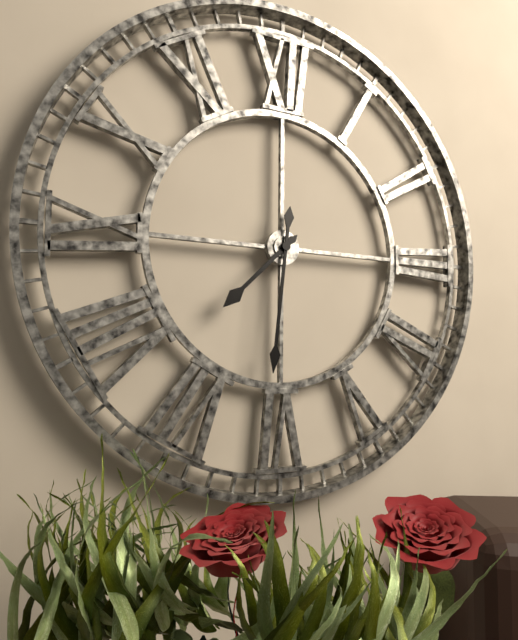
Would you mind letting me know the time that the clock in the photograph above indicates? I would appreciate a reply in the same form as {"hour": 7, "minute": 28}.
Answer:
{"hour": 7, "minute": 31}
